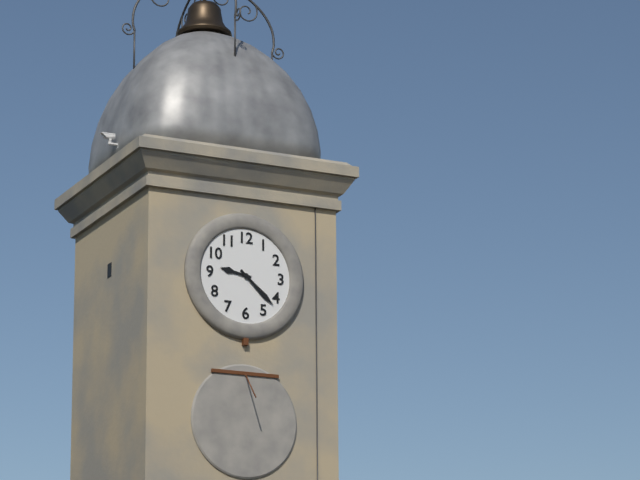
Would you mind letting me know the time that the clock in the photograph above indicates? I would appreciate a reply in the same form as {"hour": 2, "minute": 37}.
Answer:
{"hour": 9, "minute": 22}
